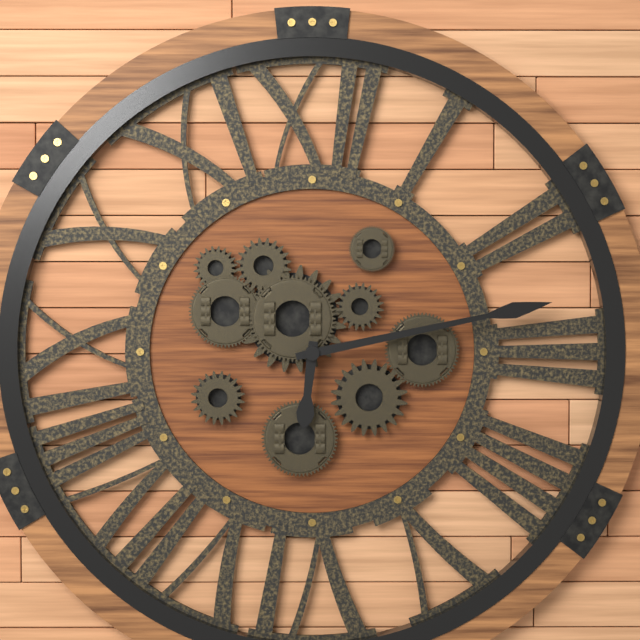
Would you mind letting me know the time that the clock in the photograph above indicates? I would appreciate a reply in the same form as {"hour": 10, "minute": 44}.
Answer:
{"hour": 6, "minute": 13}
